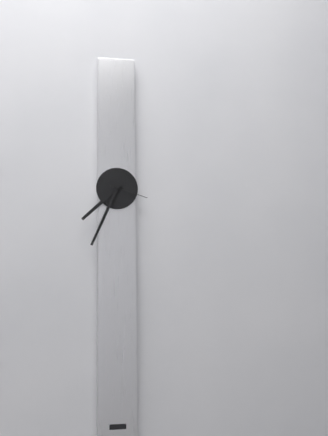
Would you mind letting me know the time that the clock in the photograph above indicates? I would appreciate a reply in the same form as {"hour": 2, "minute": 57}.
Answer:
{"hour": 7, "minute": 34}
